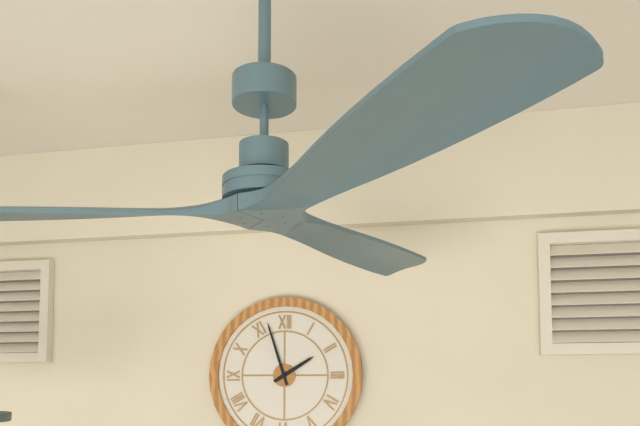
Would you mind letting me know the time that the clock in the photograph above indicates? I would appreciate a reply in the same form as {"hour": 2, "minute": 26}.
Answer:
{"hour": 1, "minute": 57}
